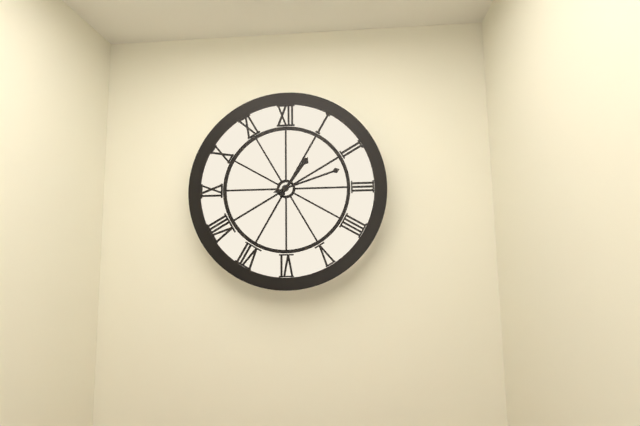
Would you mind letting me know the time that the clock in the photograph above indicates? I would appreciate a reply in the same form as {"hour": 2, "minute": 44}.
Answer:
{"hour": 1, "minute": 12}
